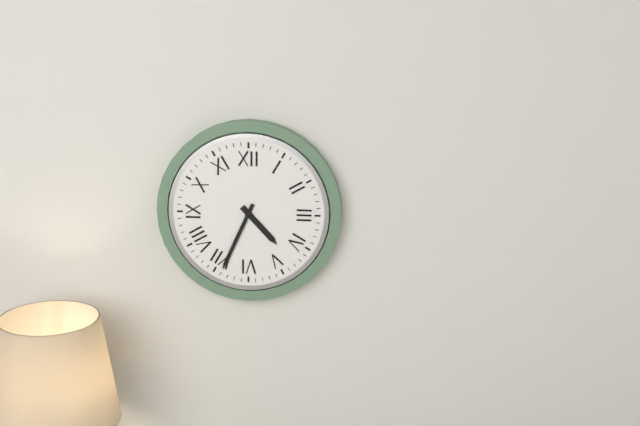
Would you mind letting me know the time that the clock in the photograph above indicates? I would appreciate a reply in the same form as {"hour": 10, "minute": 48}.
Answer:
{"hour": 4, "minute": 34}
